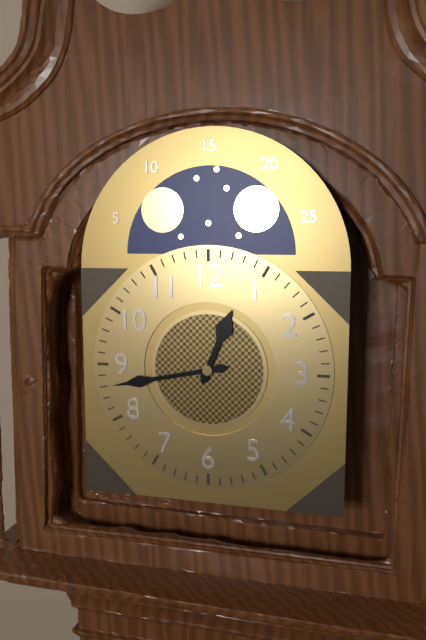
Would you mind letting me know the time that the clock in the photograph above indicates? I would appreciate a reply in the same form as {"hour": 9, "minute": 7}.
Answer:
{"hour": 12, "minute": 43}
